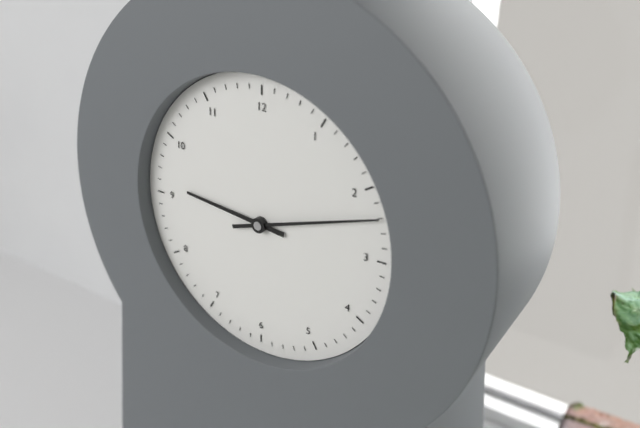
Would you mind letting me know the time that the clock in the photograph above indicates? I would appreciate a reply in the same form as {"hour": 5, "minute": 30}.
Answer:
{"hour": 9, "minute": 12}
